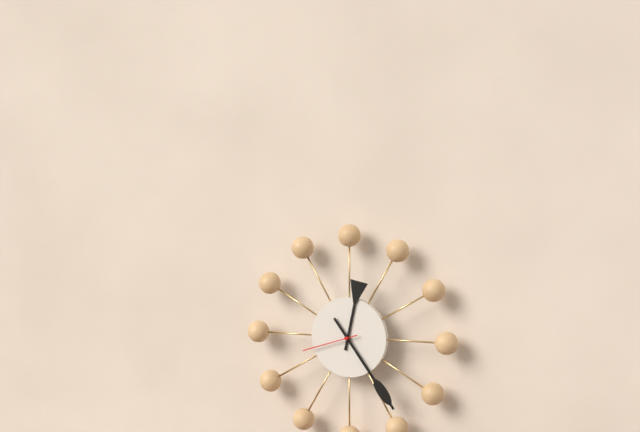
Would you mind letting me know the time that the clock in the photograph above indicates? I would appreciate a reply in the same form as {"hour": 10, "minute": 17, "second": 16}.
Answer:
{"hour": 12, "minute": 24, "second": 42}
